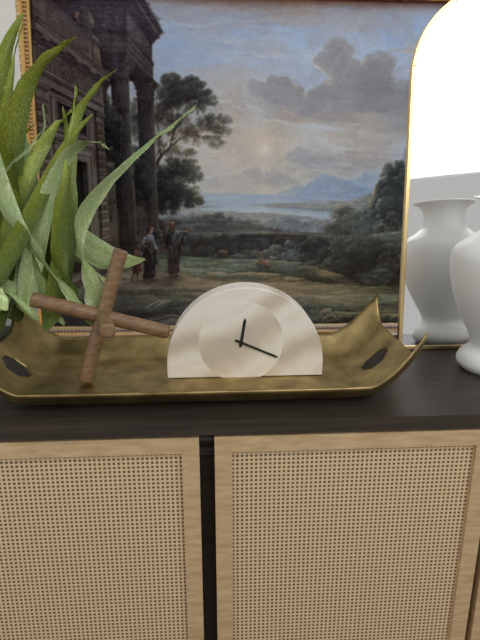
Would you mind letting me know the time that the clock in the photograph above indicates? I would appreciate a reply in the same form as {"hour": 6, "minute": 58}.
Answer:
{"hour": 12, "minute": 19}
